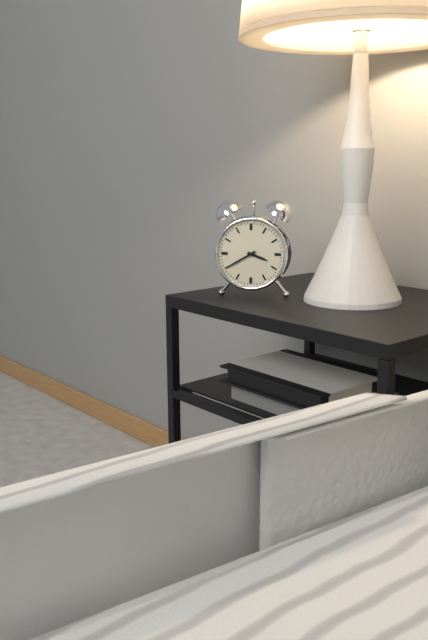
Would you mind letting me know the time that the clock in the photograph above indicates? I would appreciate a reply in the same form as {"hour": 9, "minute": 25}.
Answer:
{"hour": 3, "minute": 40}
